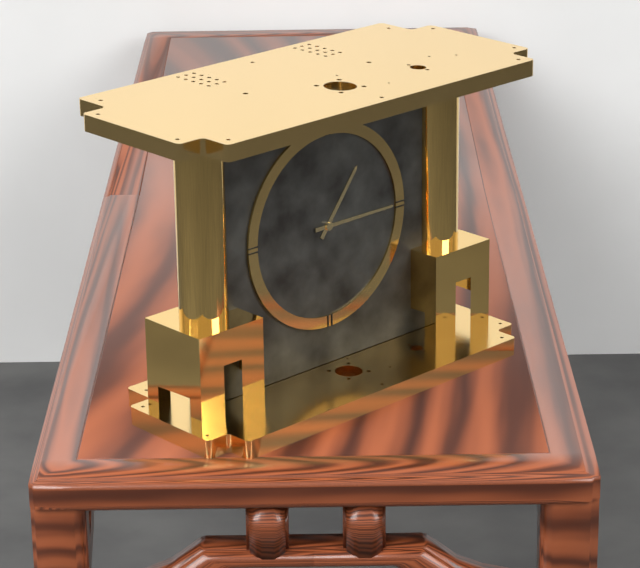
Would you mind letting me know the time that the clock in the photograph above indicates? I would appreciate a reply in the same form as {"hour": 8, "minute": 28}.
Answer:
{"hour": 1, "minute": 15}
